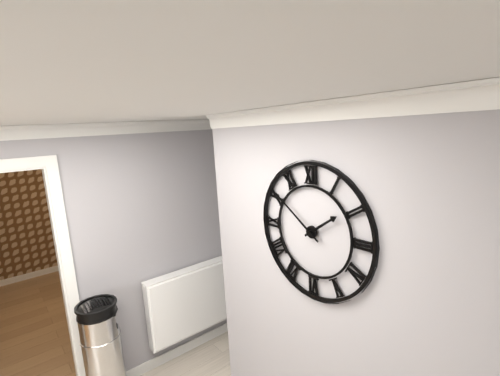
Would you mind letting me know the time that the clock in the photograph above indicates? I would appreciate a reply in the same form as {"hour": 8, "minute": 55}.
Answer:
{"hour": 1, "minute": 51}
